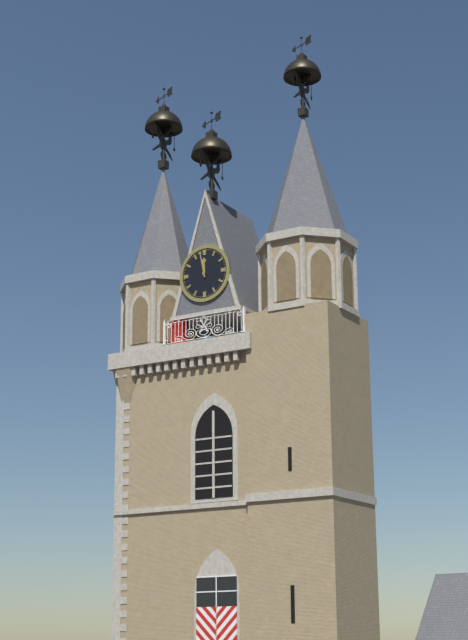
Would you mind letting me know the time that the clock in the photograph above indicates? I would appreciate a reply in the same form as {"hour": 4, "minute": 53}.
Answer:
{"hour": 11, "minute": 58}
